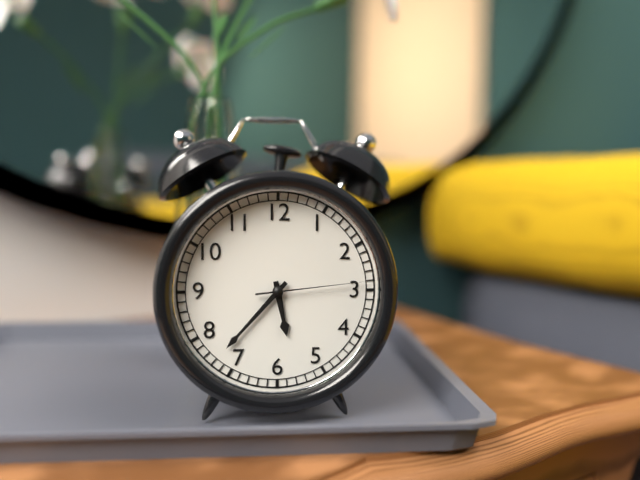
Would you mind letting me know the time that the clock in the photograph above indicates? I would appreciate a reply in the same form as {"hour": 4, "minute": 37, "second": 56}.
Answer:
{"hour": 5, "minute": 37, "second": 14}
